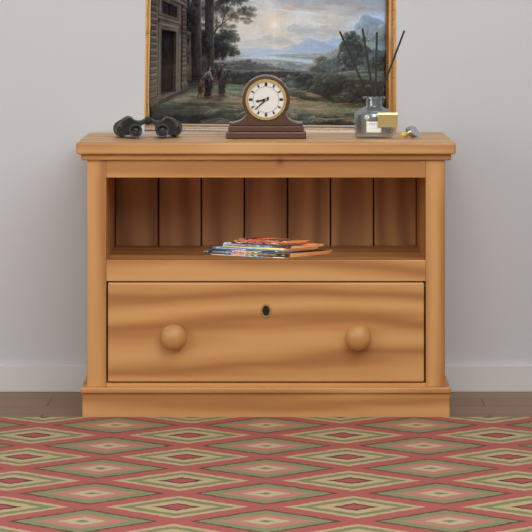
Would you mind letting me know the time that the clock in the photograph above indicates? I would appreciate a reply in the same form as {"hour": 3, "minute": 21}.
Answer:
{"hour": 8, "minute": 38}
